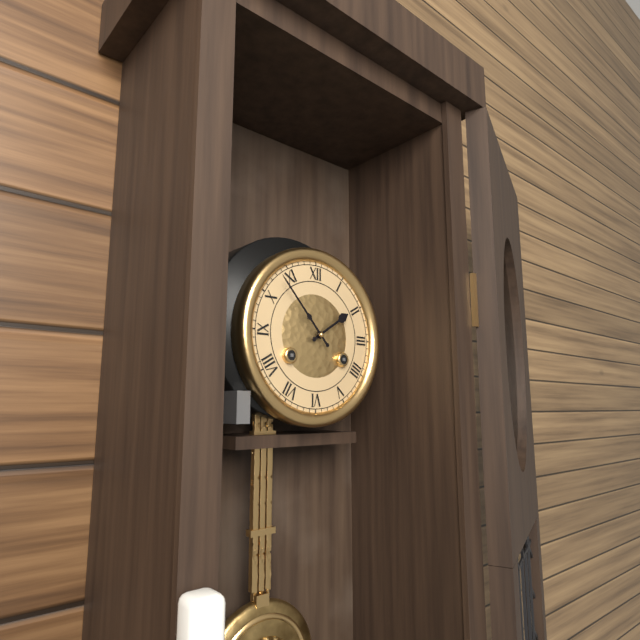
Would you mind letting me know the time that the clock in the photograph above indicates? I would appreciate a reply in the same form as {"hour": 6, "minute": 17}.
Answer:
{"hour": 1, "minute": 53}
